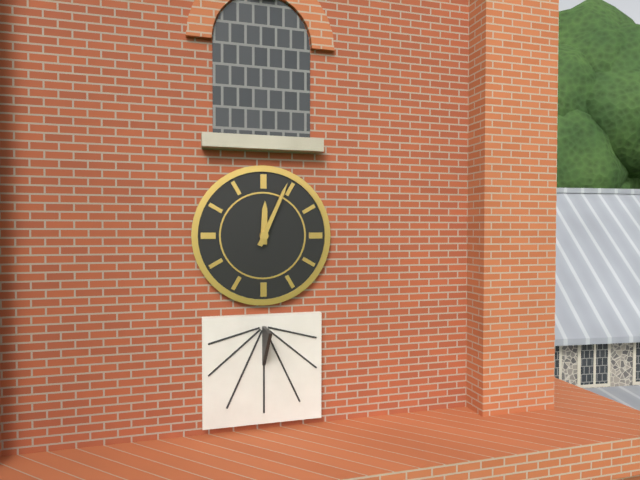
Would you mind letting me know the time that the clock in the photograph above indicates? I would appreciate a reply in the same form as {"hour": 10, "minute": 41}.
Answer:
{"hour": 12, "minute": 4}
